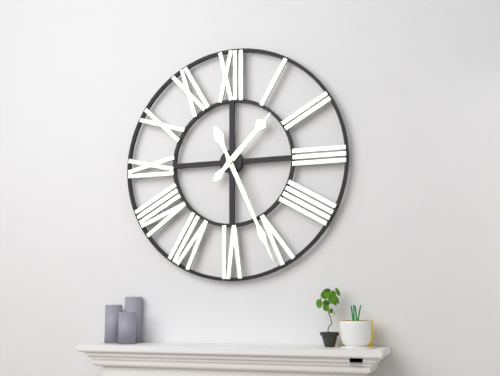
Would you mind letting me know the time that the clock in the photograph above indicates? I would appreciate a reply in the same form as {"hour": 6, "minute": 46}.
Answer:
{"hour": 1, "minute": 26}
